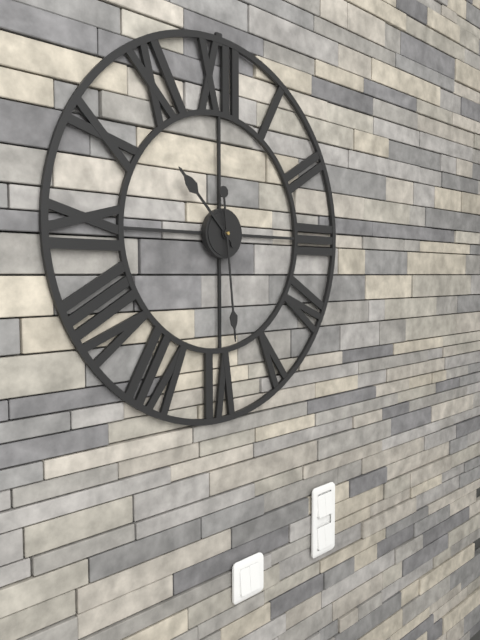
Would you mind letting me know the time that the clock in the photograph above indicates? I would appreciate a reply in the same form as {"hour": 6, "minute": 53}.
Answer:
{"hour": 10, "minute": 29}
